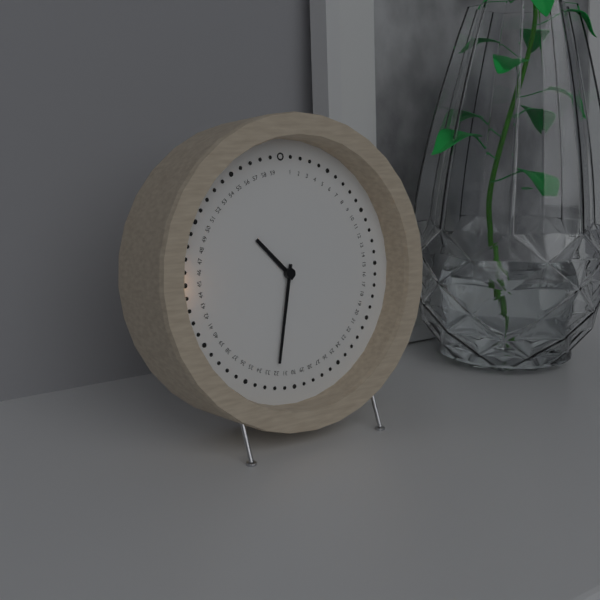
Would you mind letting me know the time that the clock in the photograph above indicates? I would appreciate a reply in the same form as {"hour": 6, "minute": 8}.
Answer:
{"hour": 10, "minute": 32}
